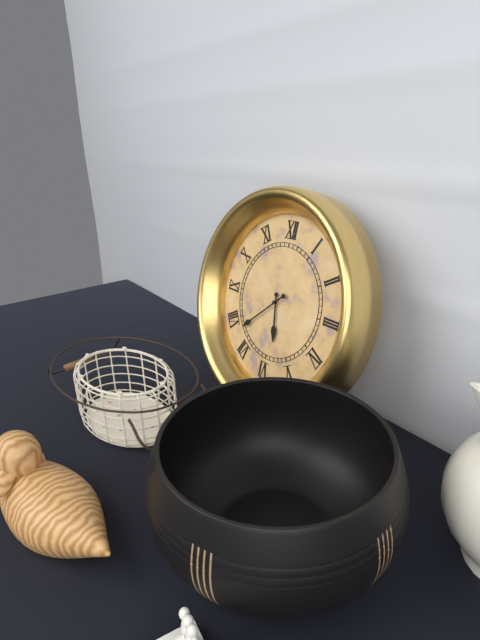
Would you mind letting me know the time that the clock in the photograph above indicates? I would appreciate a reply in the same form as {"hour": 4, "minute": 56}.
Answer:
{"hour": 5, "minute": 38}
